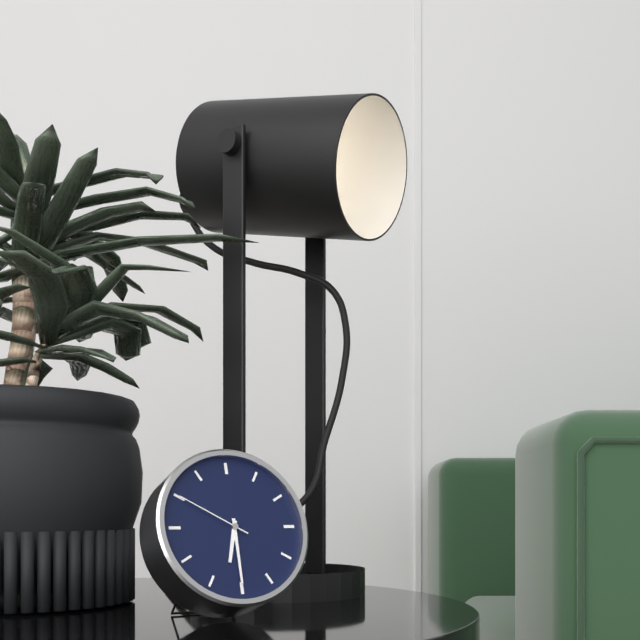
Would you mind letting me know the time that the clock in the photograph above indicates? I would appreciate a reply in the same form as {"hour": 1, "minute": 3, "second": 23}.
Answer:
{"hour": 6, "minute": 30, "second": 50}
